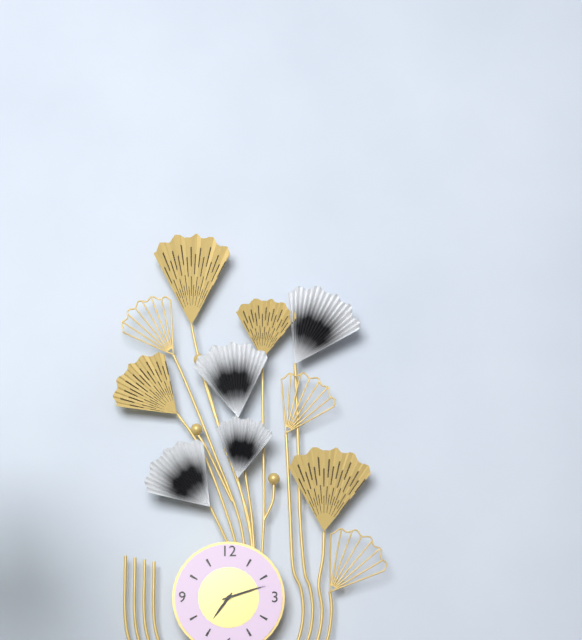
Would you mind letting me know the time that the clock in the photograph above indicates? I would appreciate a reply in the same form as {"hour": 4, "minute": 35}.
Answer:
{"hour": 7, "minute": 12}
